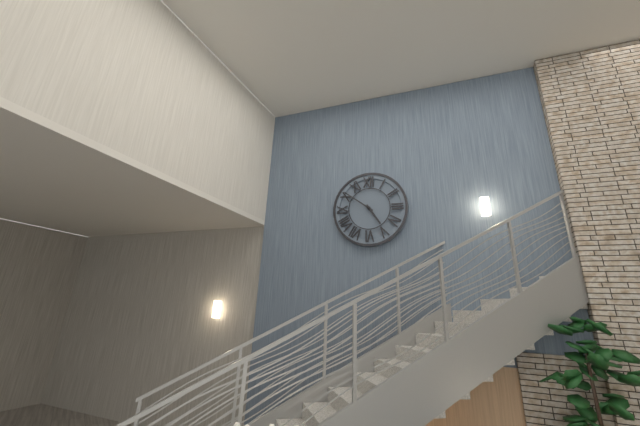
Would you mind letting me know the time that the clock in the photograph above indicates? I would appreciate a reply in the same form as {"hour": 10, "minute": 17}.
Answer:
{"hour": 4, "minute": 51}
